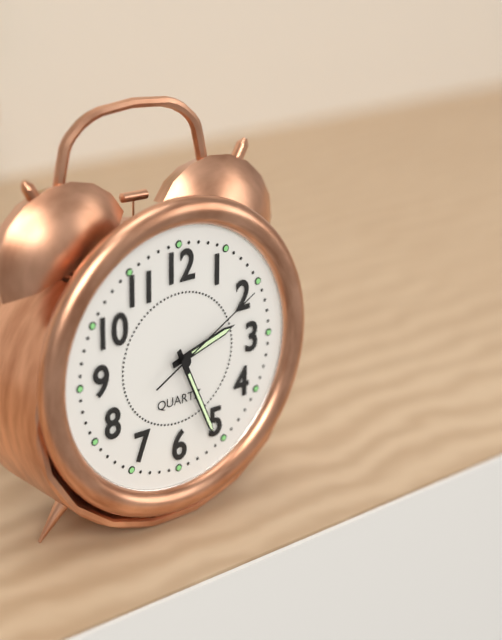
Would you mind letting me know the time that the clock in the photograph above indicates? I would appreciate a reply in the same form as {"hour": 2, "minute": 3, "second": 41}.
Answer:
{"hour": 2, "minute": 26, "second": 10}
